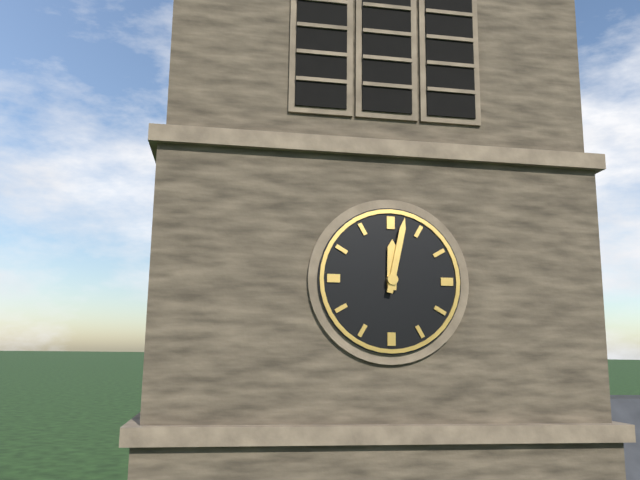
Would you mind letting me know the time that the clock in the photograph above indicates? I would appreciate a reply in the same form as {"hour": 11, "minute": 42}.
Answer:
{"hour": 12, "minute": 2}
